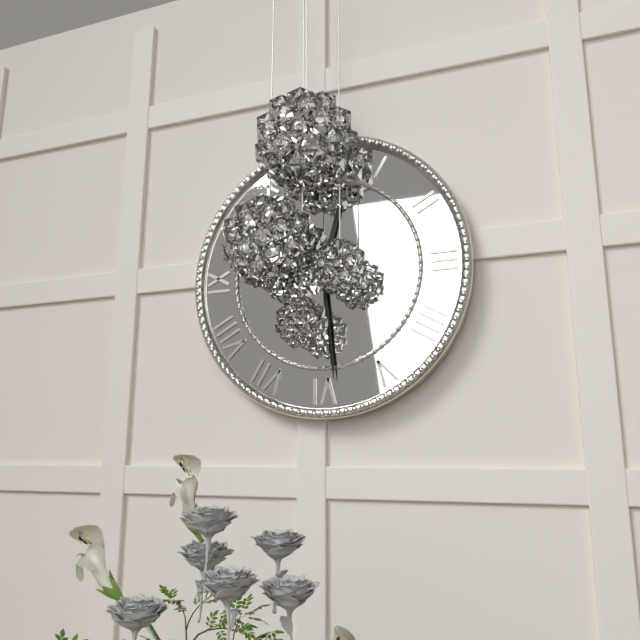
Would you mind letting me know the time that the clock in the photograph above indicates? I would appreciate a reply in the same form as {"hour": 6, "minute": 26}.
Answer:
{"hour": 12, "minute": 29}
